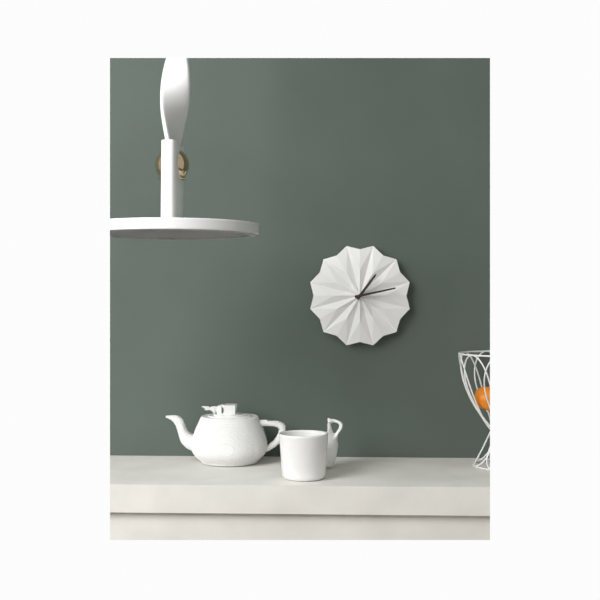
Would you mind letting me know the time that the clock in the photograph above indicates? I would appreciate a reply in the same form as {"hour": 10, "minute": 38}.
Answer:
{"hour": 1, "minute": 13}
